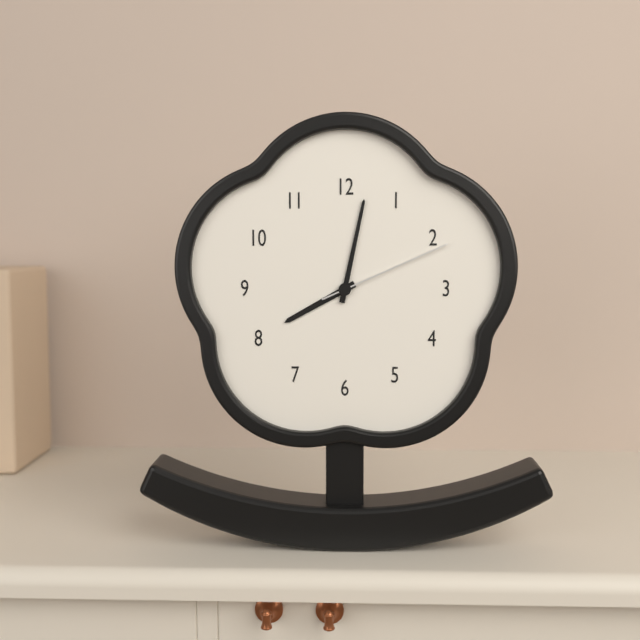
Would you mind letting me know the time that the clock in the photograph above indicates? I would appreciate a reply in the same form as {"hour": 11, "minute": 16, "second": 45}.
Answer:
{"hour": 8, "minute": 2, "second": 11}
